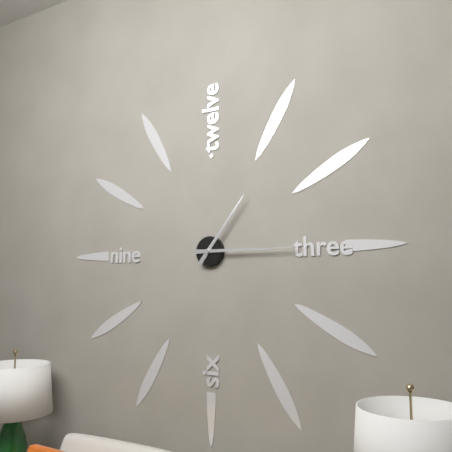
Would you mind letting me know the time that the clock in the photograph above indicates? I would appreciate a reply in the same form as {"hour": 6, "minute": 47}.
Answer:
{"hour": 1, "minute": 15}
